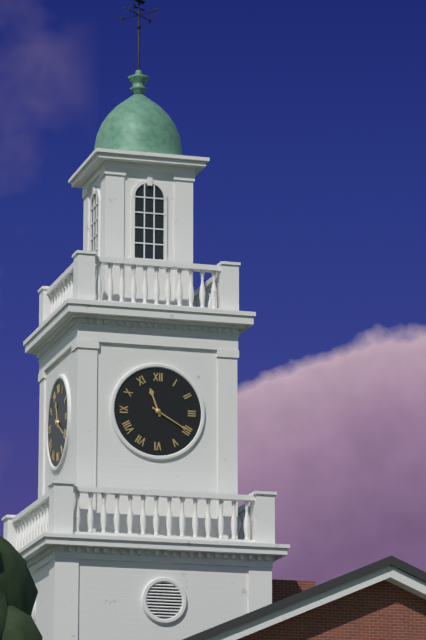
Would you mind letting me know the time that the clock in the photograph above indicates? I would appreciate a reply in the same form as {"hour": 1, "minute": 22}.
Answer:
{"hour": 11, "minute": 20}
